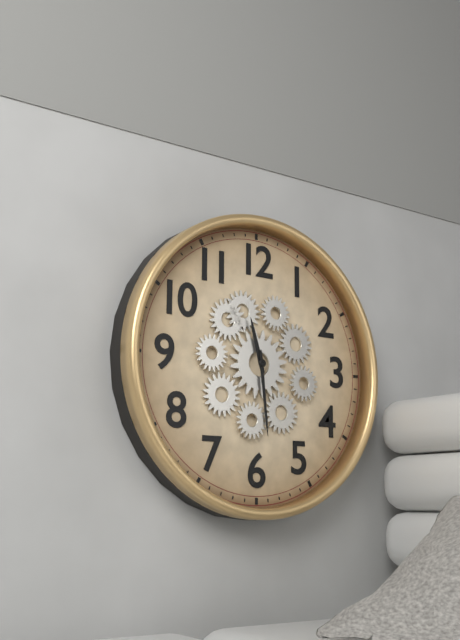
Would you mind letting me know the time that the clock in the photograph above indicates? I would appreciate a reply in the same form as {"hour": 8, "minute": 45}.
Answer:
{"hour": 11, "minute": 29}
